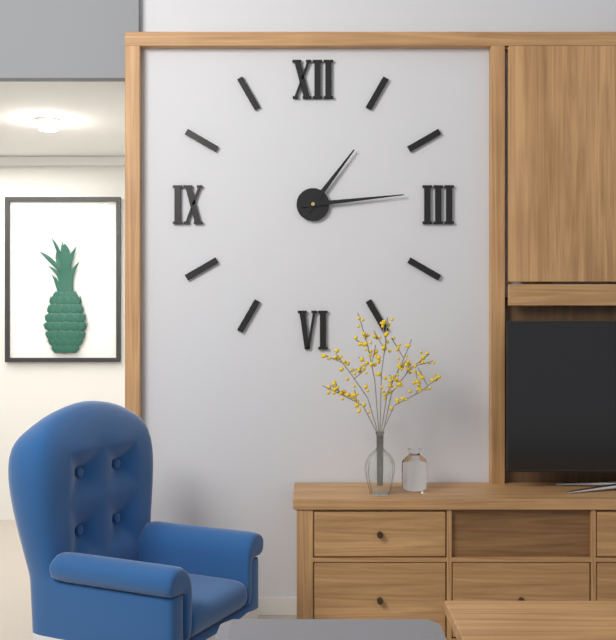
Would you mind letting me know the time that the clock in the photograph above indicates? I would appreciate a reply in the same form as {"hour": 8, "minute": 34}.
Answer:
{"hour": 1, "minute": 14}
